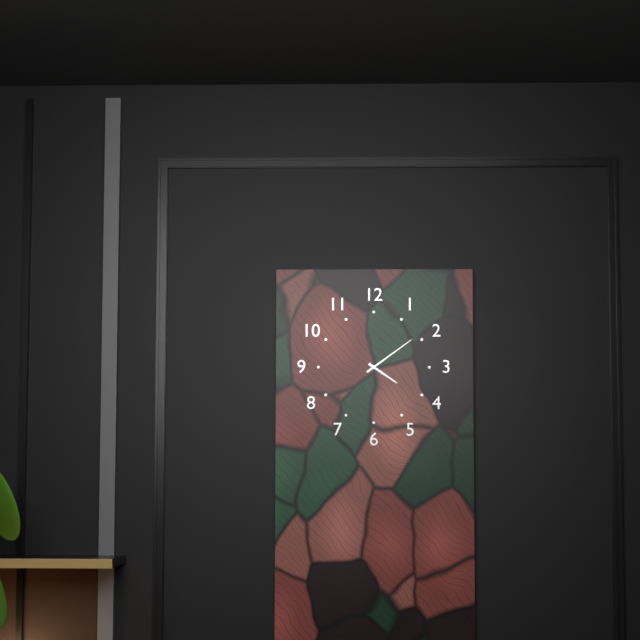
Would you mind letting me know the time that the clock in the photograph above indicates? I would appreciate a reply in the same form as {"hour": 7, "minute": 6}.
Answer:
{"hour": 4, "minute": 9}
